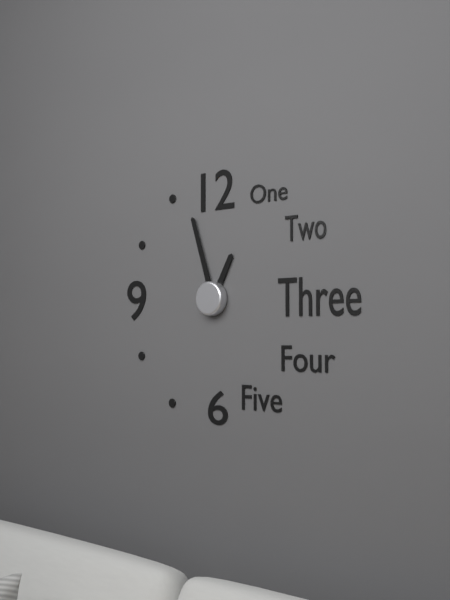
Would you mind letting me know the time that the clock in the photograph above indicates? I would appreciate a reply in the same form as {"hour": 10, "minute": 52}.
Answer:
{"hour": 12, "minute": 57}
